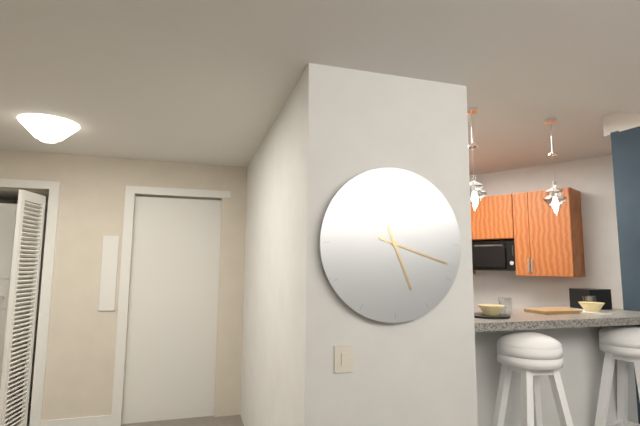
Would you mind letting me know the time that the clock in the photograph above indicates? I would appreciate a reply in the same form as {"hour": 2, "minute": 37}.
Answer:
{"hour": 5, "minute": 18}
